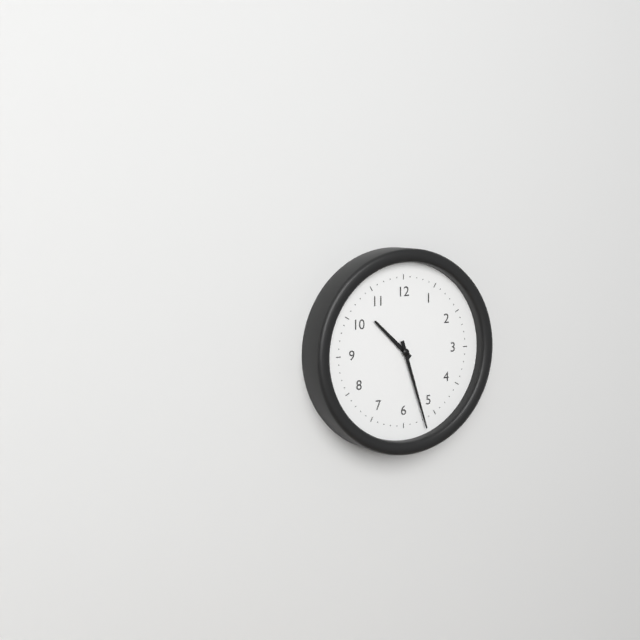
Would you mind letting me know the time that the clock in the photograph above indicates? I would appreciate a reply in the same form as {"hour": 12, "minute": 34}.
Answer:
{"hour": 10, "minute": 27}
